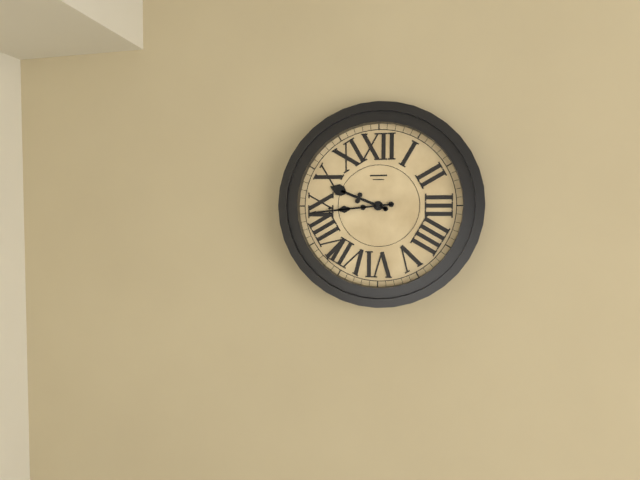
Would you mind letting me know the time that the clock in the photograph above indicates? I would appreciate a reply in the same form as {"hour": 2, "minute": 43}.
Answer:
{"hour": 9, "minute": 44}
